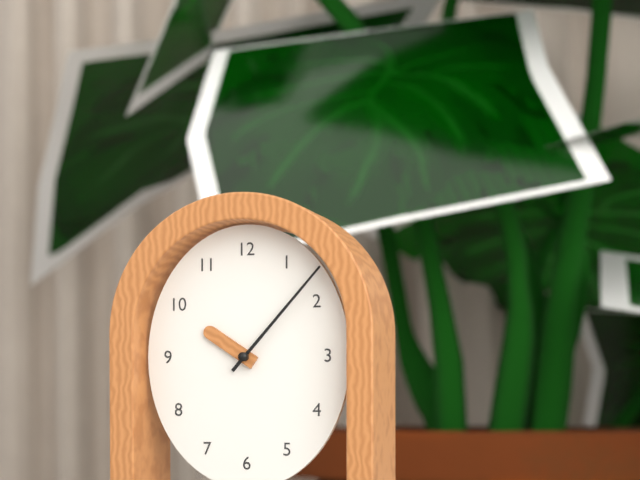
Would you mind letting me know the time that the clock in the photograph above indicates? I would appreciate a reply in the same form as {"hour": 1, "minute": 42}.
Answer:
{"hour": 10, "minute": 7}
